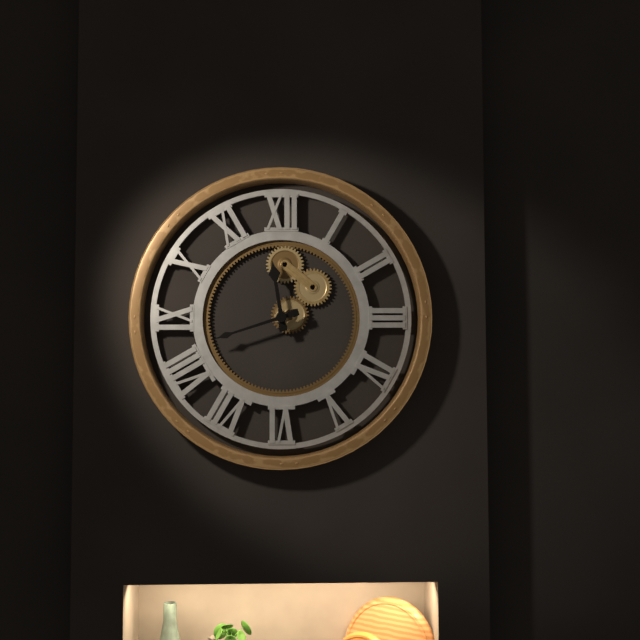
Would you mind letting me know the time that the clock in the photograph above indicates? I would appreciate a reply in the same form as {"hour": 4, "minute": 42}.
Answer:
{"hour": 11, "minute": 42}
